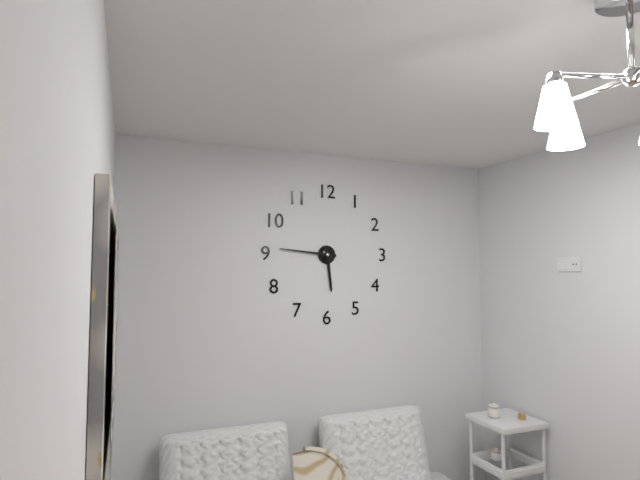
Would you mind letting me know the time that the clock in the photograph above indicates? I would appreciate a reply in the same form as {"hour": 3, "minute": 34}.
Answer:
{"hour": 5, "minute": 46}
